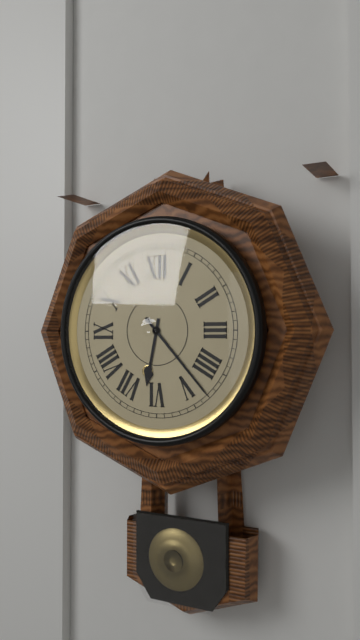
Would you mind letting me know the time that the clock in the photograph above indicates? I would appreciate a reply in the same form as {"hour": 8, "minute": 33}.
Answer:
{"hour": 6, "minute": 23}
